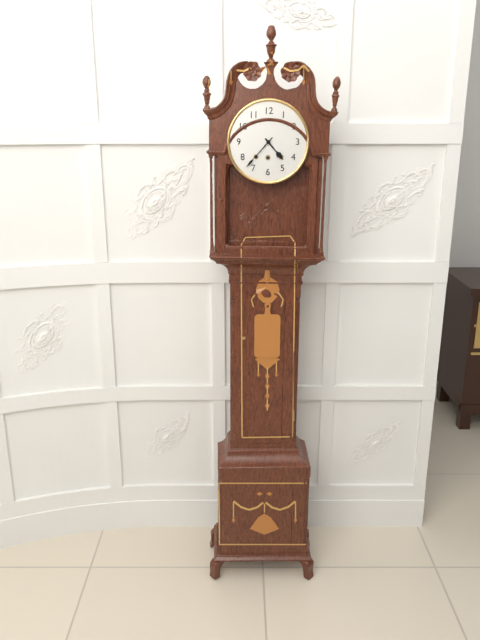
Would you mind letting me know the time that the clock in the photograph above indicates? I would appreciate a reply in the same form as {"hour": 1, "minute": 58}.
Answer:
{"hour": 4, "minute": 37}
